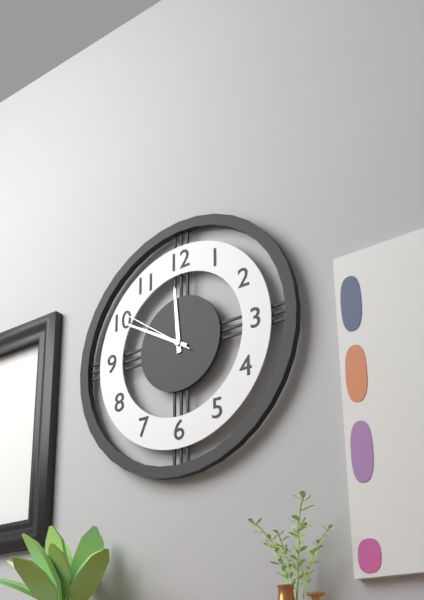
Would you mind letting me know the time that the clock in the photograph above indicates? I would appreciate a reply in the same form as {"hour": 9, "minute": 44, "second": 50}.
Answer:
{"hour": 11, "minute": 50, "second": 51}
